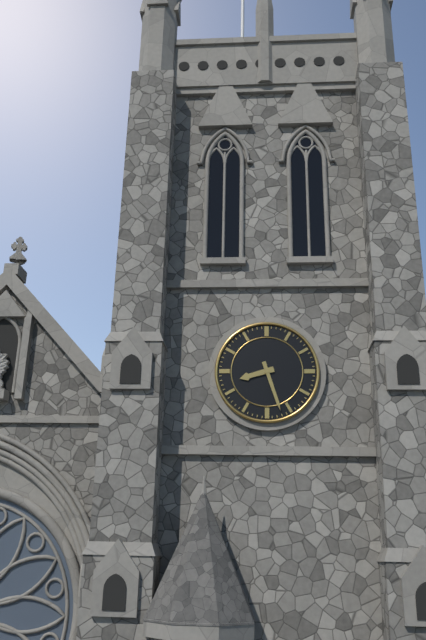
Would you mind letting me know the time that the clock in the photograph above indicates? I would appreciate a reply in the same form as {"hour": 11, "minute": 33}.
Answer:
{"hour": 8, "minute": 27}
